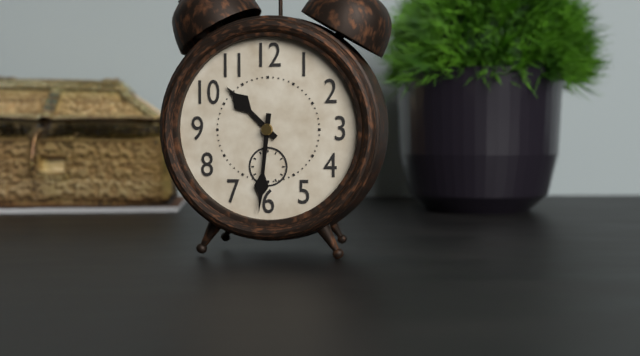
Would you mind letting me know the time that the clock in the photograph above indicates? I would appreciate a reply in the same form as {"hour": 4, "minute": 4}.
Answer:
{"hour": 10, "minute": 31}
